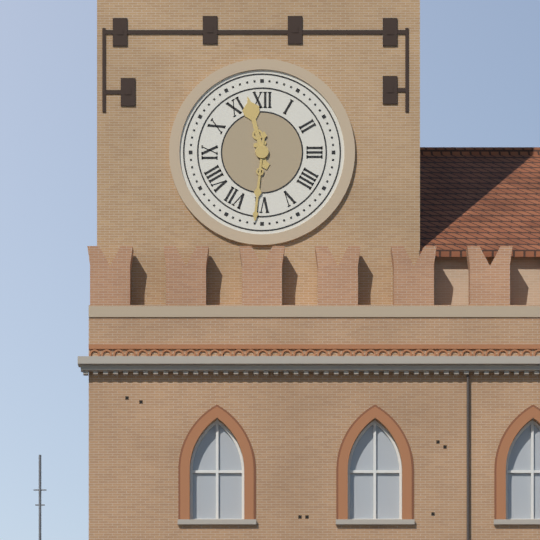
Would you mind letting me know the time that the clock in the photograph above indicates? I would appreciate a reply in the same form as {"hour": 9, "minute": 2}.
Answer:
{"hour": 11, "minute": 31}
